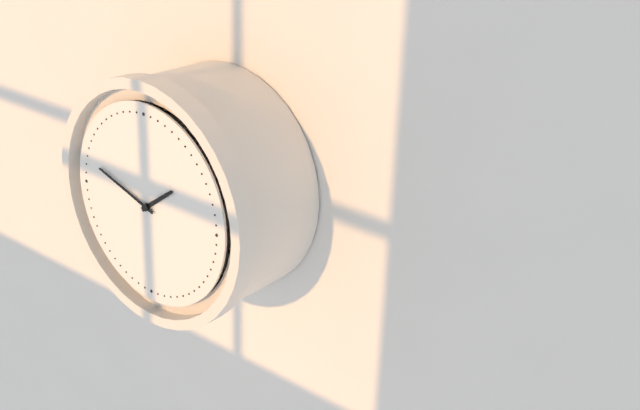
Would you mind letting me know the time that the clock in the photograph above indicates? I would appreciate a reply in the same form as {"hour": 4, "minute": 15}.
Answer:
{"hour": 1, "minute": 48}
